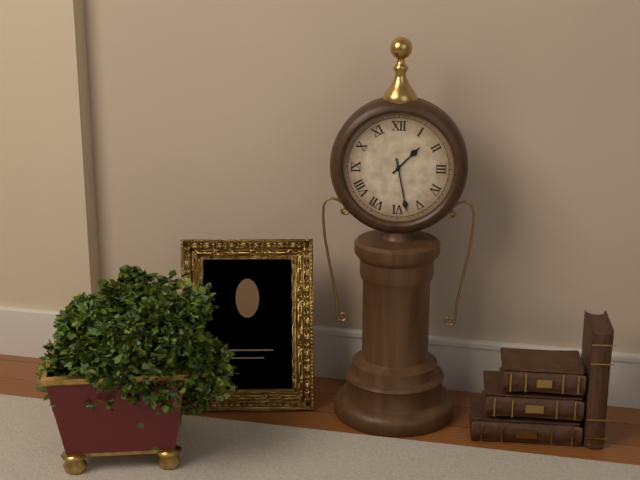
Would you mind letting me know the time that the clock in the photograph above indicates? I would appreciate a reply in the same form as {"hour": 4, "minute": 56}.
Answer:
{"hour": 1, "minute": 28}
